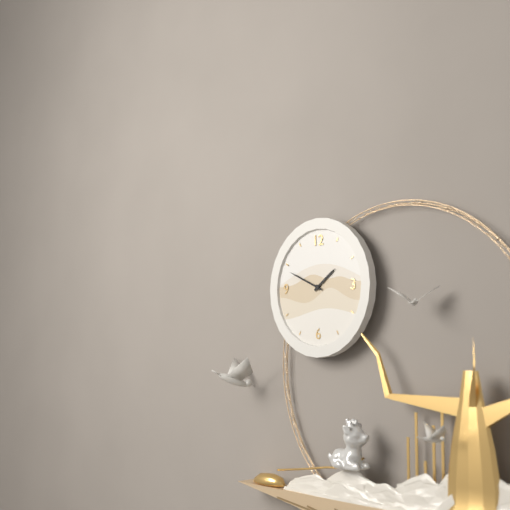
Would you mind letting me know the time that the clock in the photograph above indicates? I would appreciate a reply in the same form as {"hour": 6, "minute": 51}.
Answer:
{"hour": 1, "minute": 49}
